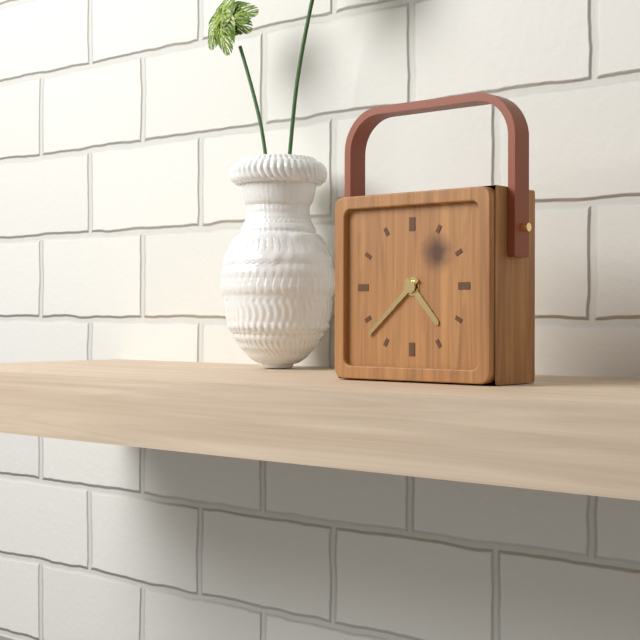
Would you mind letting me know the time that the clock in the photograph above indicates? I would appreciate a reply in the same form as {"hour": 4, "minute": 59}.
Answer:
{"hour": 4, "minute": 38}
